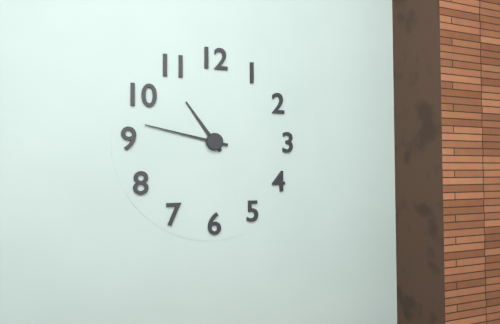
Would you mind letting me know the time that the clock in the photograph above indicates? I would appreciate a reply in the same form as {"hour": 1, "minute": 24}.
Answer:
{"hour": 10, "minute": 47}
